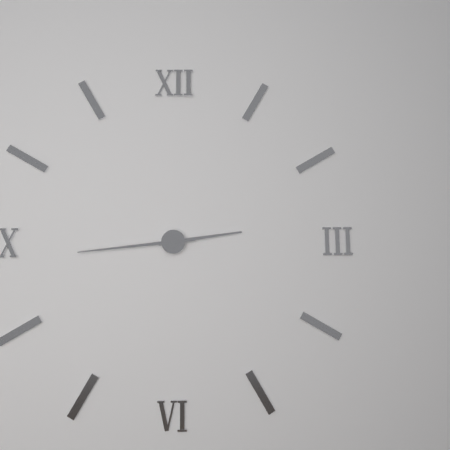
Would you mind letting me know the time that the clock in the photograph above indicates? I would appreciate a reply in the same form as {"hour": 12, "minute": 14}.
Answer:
{"hour": 2, "minute": 44}
